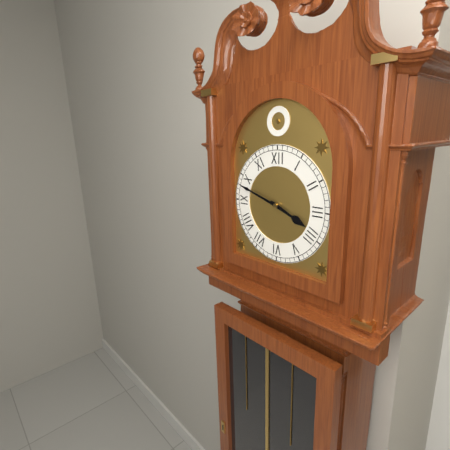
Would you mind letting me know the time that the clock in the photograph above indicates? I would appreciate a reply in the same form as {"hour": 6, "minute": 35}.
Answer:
{"hour": 3, "minute": 48}
